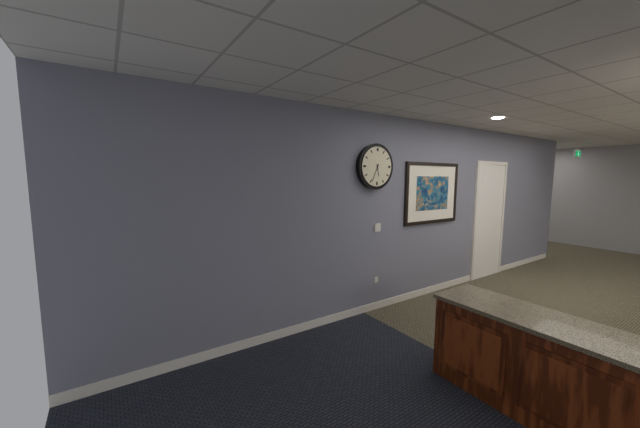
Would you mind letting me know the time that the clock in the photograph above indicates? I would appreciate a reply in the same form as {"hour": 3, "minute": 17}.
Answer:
{"hour": 5, "minute": 34}
